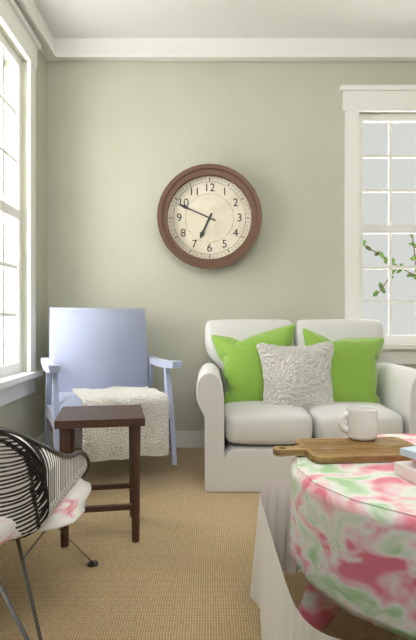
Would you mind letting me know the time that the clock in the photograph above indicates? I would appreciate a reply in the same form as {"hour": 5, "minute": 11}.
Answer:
{"hour": 6, "minute": 49}
